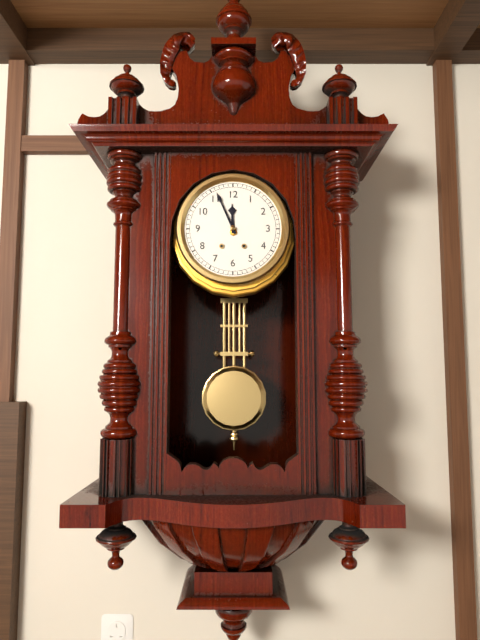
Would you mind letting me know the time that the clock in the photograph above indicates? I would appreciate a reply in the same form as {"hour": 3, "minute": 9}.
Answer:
{"hour": 11, "minute": 56}
